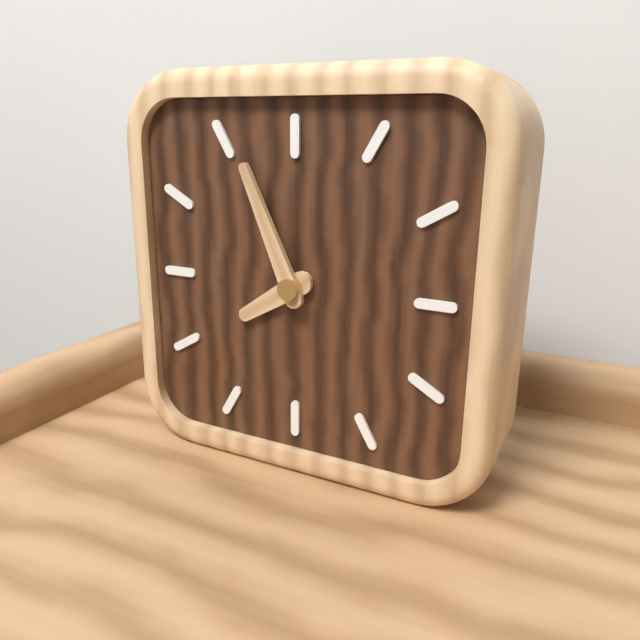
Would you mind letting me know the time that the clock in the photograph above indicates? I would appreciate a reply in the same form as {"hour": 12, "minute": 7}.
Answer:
{"hour": 7, "minute": 56}
